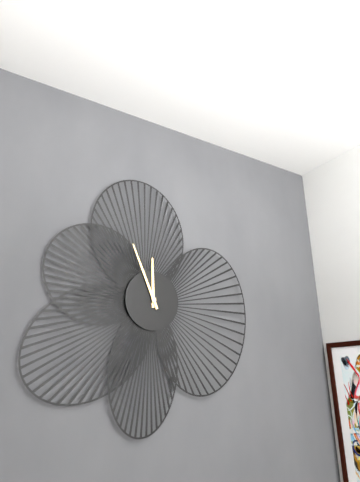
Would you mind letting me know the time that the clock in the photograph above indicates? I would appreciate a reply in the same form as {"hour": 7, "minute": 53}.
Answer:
{"hour": 11, "minute": 56}
